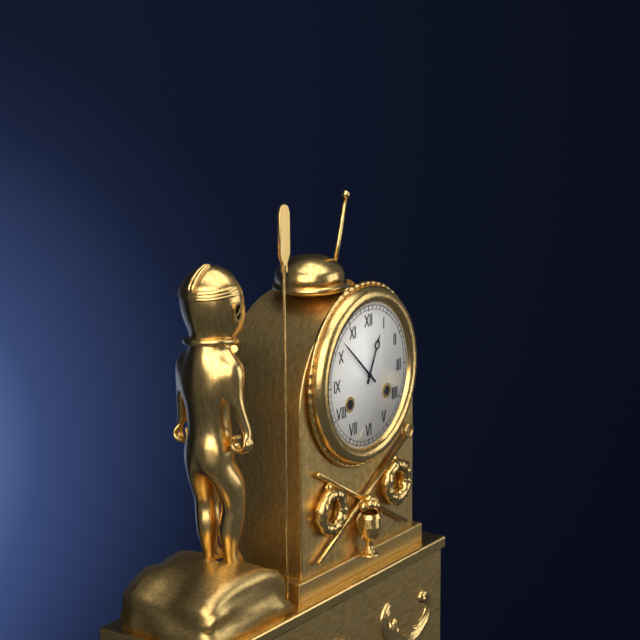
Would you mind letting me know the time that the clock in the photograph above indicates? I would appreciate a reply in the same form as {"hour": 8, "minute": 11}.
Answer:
{"hour": 12, "minute": 52}
